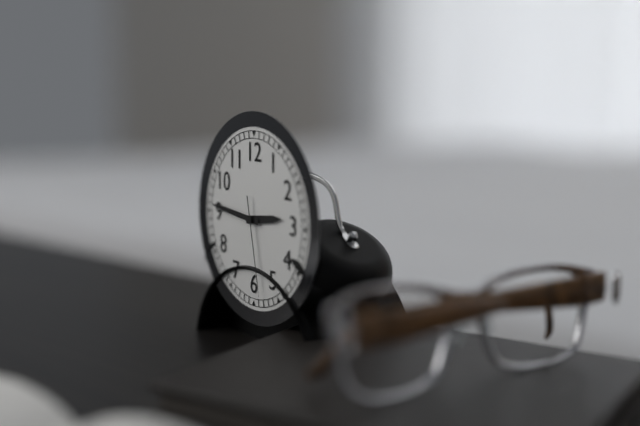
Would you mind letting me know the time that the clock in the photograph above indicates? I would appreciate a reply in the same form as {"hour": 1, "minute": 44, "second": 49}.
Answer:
{"hour": 2, "minute": 46, "second": 28}
